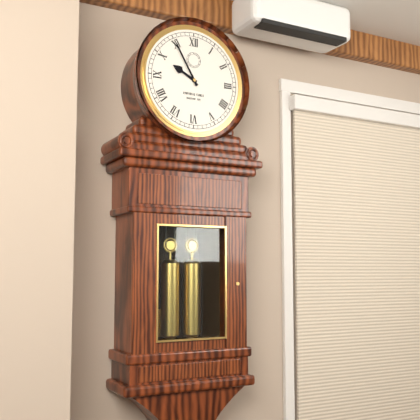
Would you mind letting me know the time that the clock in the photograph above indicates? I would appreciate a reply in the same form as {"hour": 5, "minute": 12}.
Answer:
{"hour": 9, "minute": 55}
